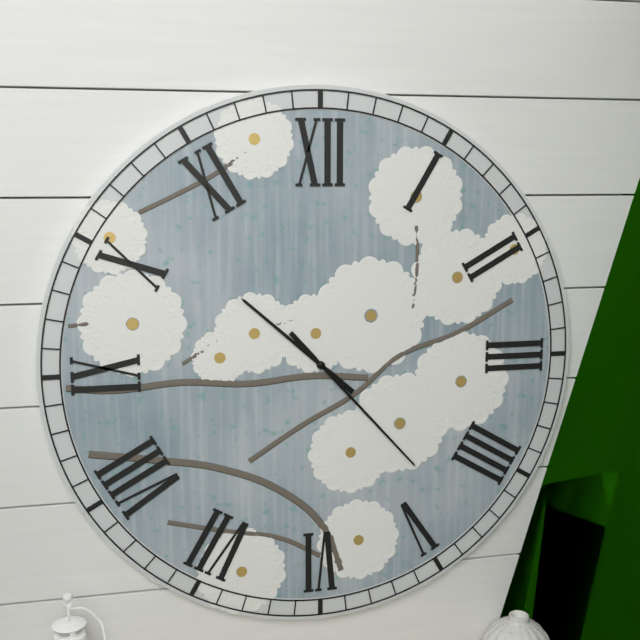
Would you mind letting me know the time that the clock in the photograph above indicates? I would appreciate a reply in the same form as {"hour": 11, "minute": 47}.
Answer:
{"hour": 10, "minute": 23}
